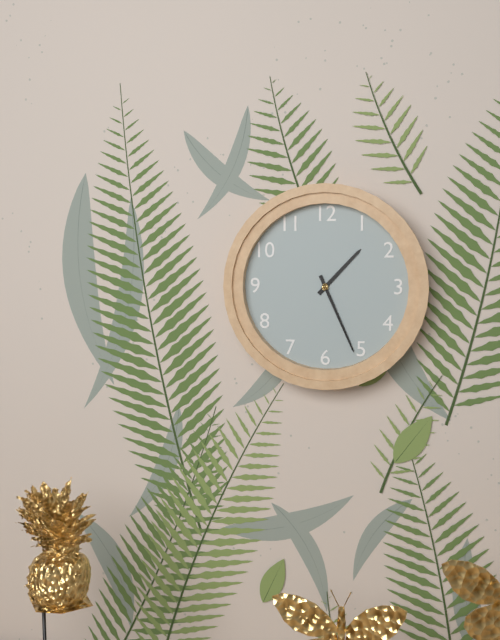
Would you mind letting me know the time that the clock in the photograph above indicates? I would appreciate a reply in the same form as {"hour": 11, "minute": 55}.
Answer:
{"hour": 1, "minute": 26}
